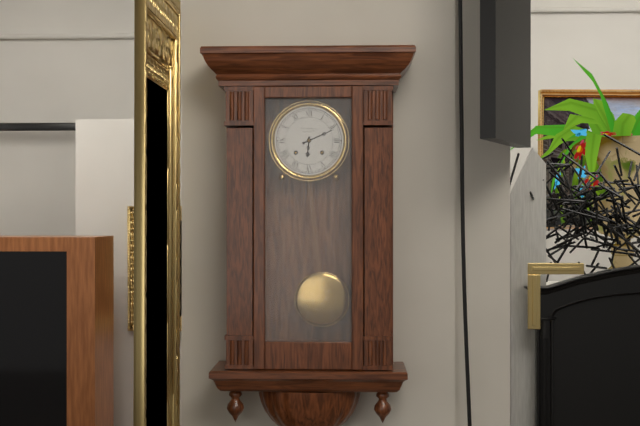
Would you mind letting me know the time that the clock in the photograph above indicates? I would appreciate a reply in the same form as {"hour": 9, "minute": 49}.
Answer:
{"hour": 6, "minute": 11}
